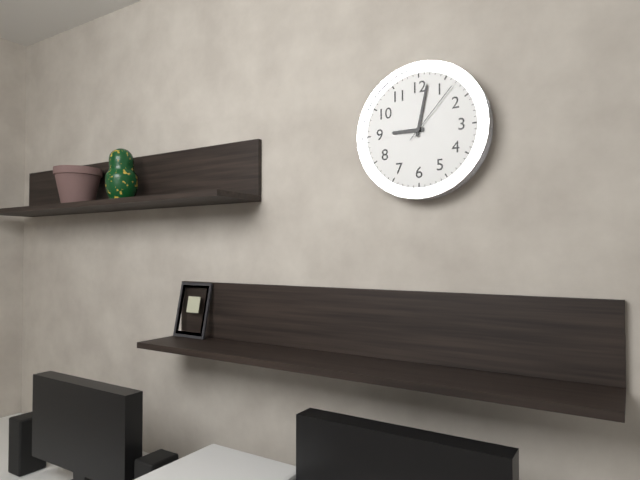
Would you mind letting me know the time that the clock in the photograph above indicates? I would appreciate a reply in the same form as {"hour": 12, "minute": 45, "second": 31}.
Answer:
{"hour": 9, "minute": 2, "second": 7}
